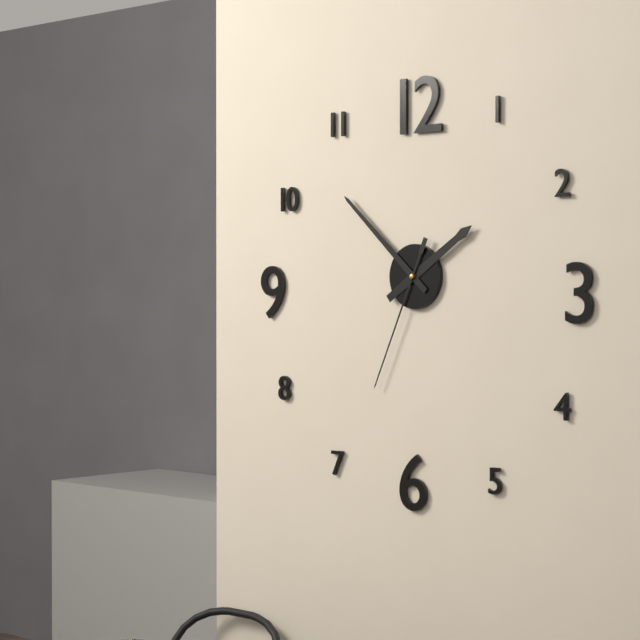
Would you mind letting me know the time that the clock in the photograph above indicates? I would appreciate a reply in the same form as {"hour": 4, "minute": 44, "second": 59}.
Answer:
{"hour": 1, "minute": 52, "second": 34}
